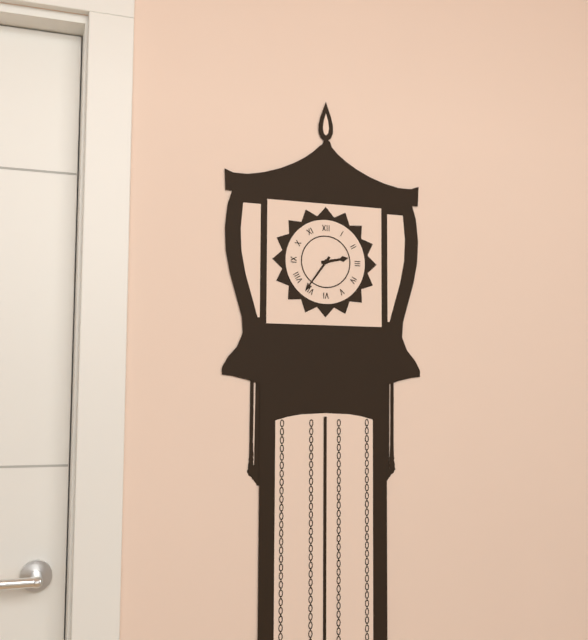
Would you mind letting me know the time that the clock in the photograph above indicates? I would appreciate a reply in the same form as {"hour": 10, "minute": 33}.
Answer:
{"hour": 2, "minute": 36}
